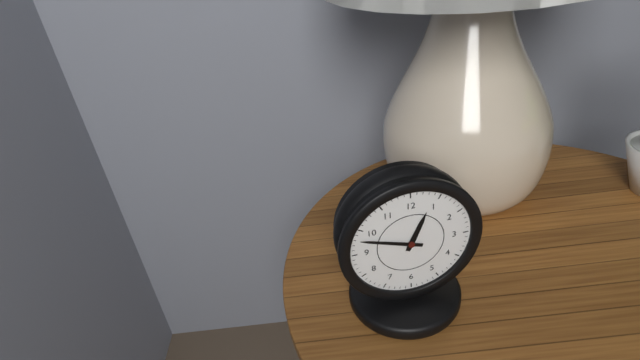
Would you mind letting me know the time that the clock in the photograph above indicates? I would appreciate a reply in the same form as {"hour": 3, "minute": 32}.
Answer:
{"hour": 12, "minute": 48}
